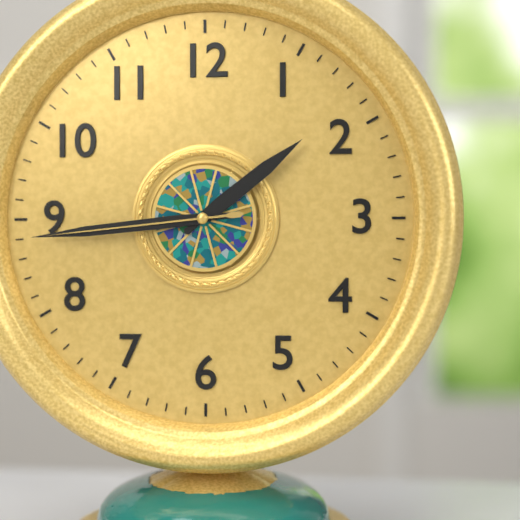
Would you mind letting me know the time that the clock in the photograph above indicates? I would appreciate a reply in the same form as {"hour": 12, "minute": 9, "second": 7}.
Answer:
{"hour": 1, "minute": 44, "second": 44}
